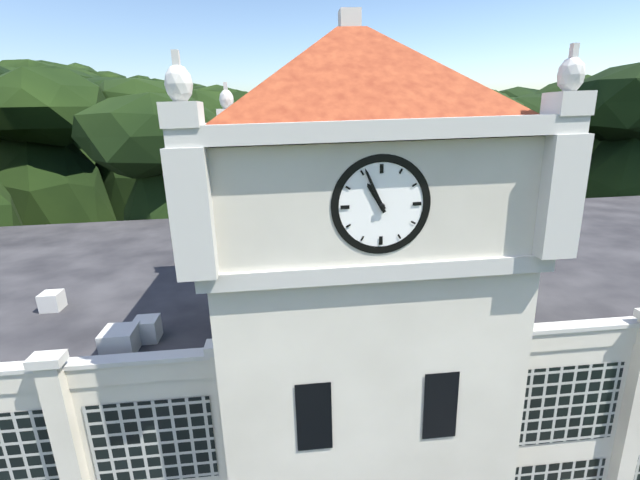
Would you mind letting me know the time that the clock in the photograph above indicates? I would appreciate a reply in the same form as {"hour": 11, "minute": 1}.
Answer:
{"hour": 10, "minute": 56}
